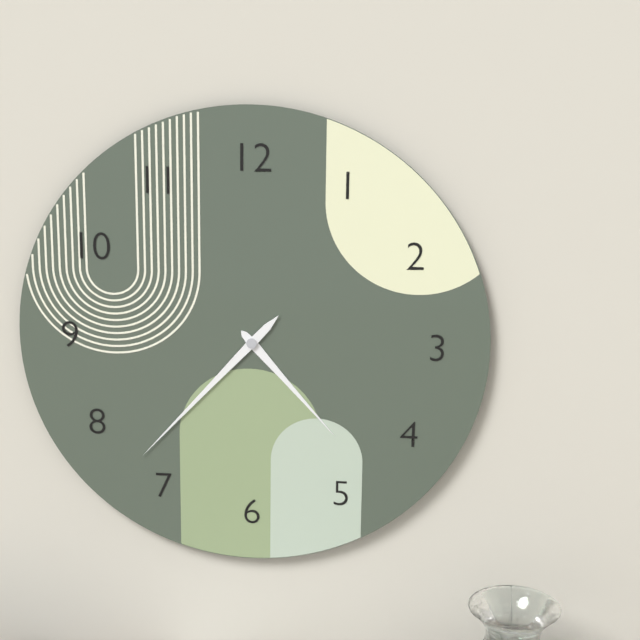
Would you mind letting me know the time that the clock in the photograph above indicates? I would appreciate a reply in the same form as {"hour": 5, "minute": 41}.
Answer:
{"hour": 4, "minute": 37}
